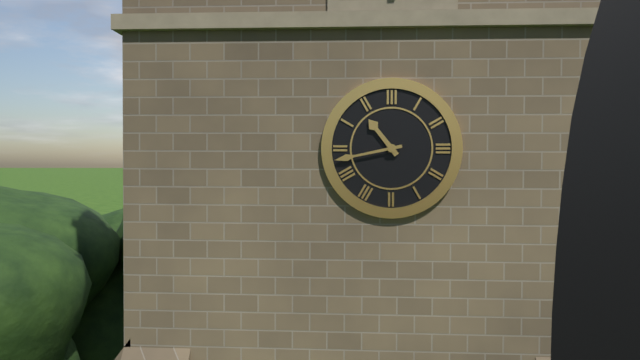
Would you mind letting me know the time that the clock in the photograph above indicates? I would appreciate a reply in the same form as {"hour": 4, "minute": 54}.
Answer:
{"hour": 10, "minute": 43}
